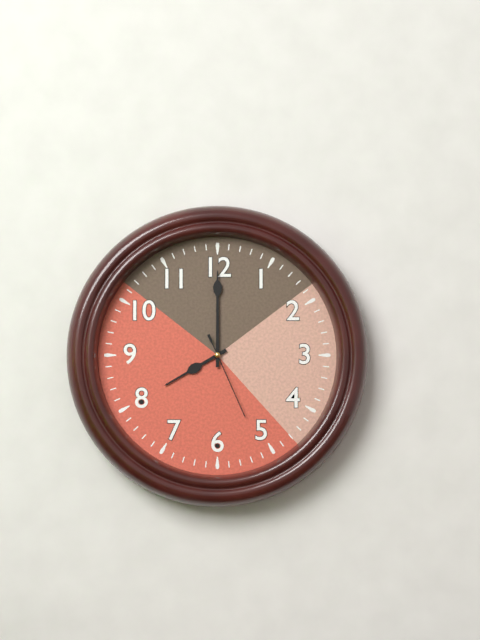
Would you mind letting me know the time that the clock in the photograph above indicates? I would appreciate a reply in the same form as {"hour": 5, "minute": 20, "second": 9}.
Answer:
{"hour": 8, "minute": 0, "second": 26}
